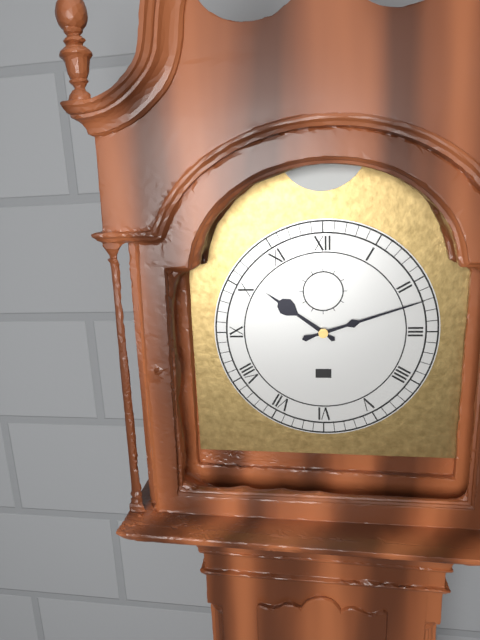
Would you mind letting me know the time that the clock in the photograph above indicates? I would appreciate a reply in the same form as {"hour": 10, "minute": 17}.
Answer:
{"hour": 10, "minute": 12}
